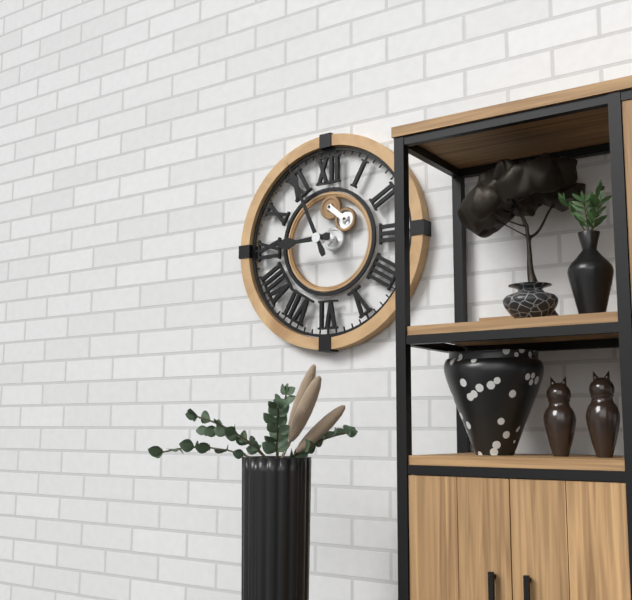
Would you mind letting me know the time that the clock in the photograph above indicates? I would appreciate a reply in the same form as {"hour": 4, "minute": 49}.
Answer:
{"hour": 8, "minute": 56}
